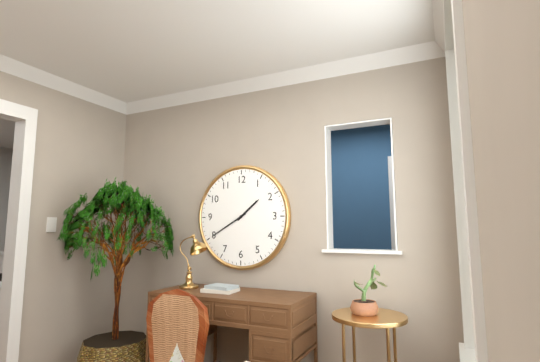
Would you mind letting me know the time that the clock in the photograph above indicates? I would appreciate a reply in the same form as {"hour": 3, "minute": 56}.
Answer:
{"hour": 1, "minute": 40}
